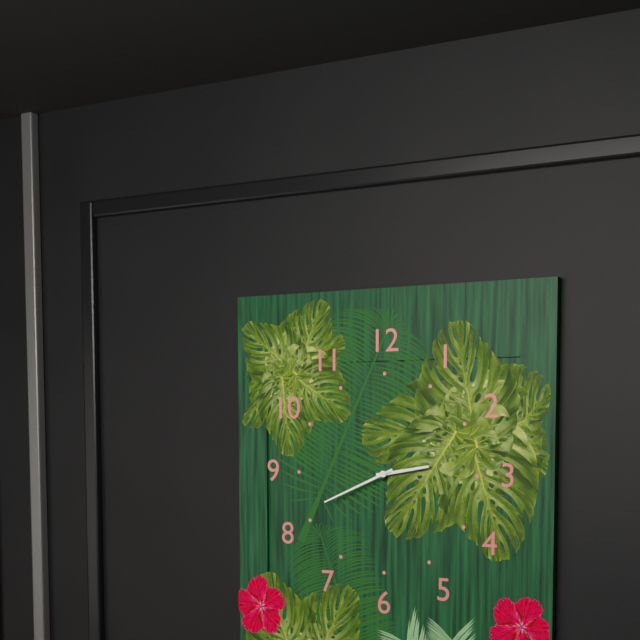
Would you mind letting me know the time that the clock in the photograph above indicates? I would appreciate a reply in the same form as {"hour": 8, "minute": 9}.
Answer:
{"hour": 2, "minute": 41}
